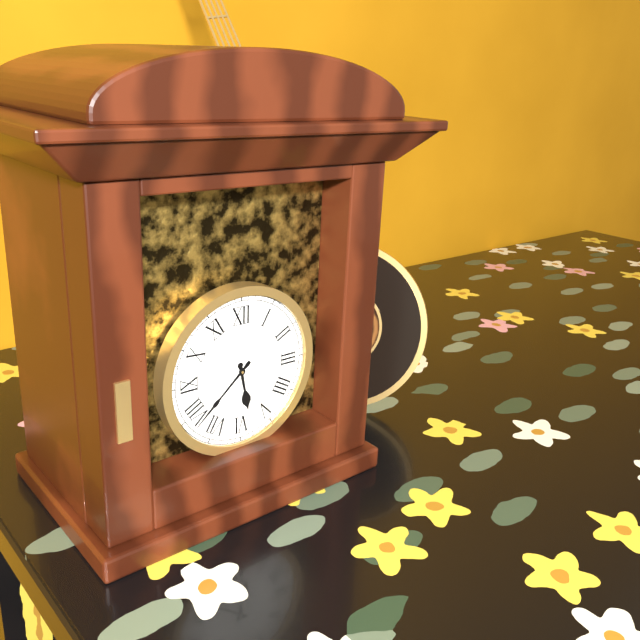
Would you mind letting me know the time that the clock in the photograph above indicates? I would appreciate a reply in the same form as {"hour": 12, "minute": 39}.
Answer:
{"hour": 5, "minute": 38}
